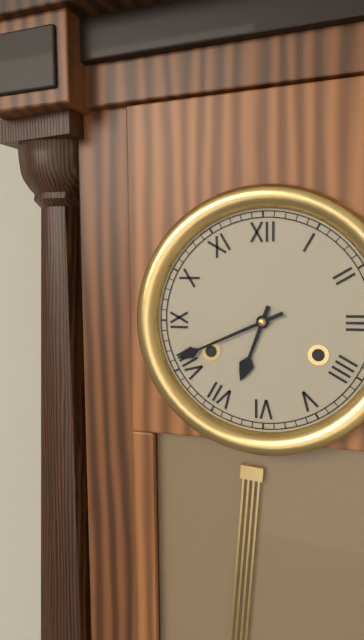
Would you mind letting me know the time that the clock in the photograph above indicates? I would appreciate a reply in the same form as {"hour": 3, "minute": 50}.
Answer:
{"hour": 6, "minute": 41}
